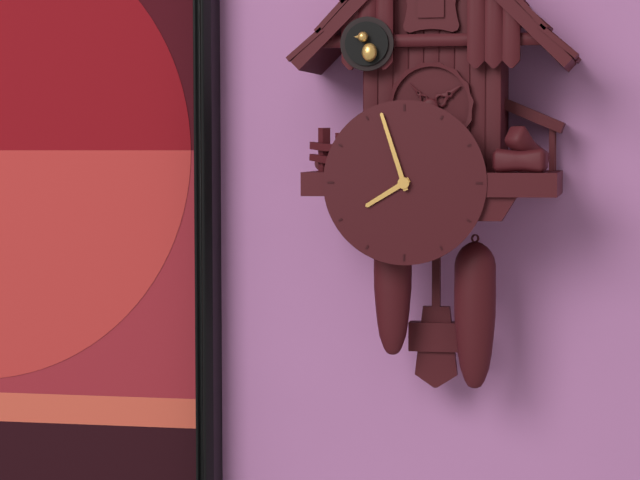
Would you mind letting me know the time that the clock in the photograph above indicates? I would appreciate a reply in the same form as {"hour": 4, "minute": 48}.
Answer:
{"hour": 7, "minute": 57}
